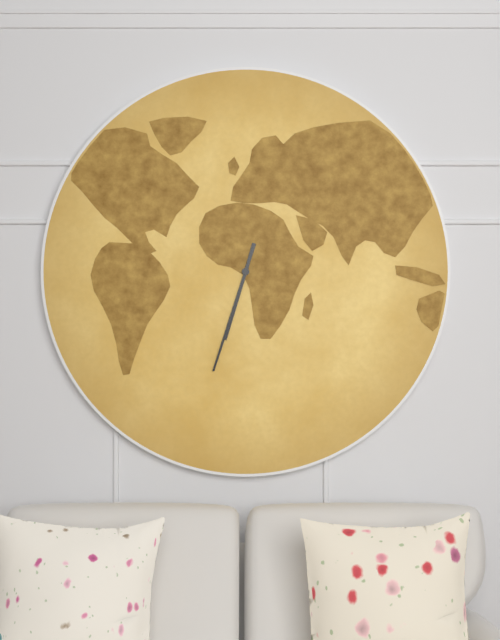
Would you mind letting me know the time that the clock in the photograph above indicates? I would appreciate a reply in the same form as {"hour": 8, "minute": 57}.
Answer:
{"hour": 6, "minute": 33}
